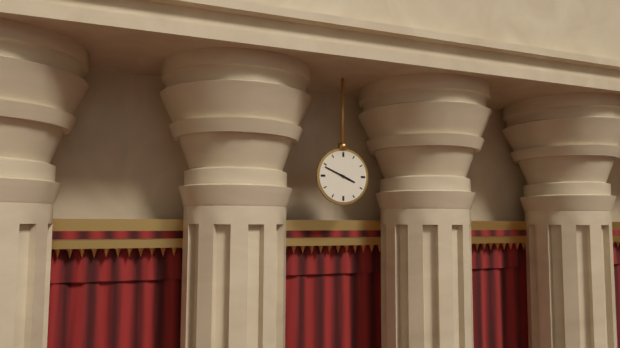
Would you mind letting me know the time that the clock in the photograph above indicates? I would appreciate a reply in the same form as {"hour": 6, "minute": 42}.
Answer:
{"hour": 3, "minute": 49}
